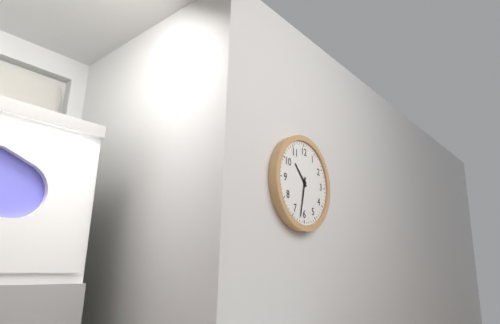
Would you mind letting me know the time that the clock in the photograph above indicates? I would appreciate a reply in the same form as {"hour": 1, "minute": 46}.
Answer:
{"hour": 10, "minute": 32}
